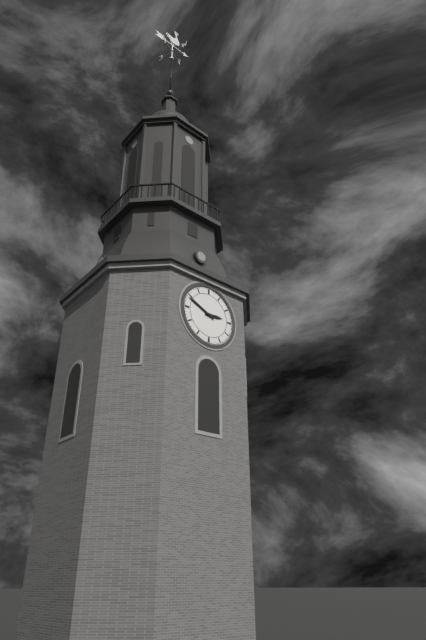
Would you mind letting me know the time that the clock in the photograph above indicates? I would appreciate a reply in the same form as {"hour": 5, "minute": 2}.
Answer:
{"hour": 2, "minute": 49}
